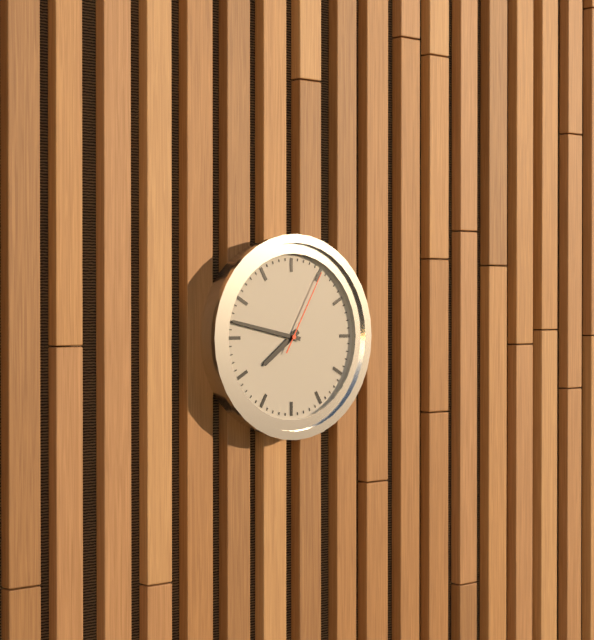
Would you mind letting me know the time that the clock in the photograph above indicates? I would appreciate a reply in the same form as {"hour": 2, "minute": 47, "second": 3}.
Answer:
{"hour": 7, "minute": 47, "second": 5}
